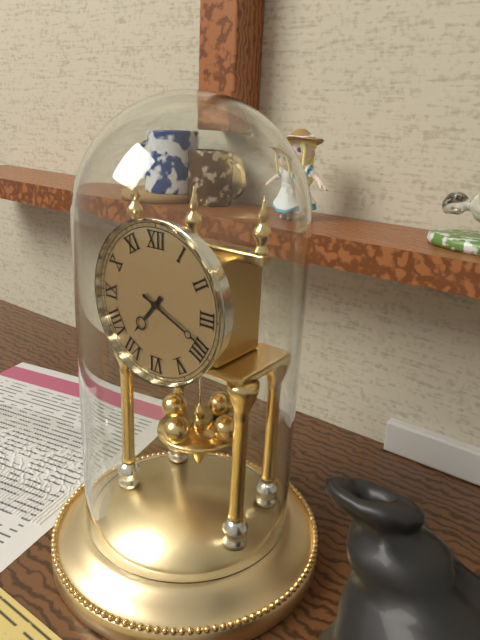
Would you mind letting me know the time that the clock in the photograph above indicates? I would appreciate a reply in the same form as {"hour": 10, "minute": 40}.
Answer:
{"hour": 7, "minute": 19}
